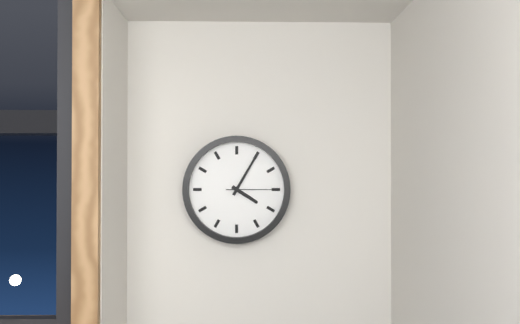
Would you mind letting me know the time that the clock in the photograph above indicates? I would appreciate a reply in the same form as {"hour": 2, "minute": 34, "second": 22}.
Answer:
{"hour": 4, "minute": 5, "second": 15}
